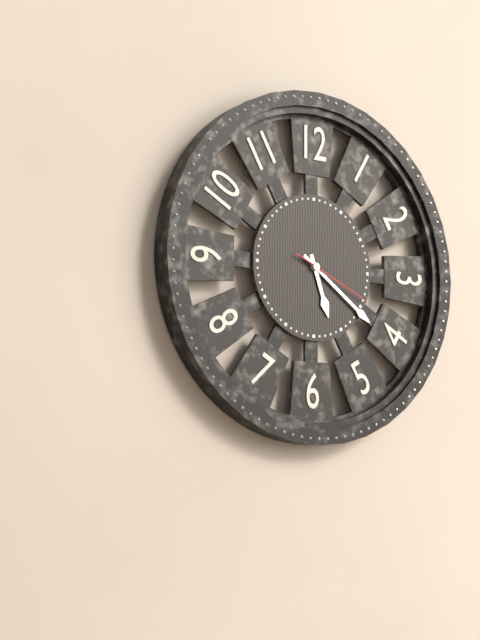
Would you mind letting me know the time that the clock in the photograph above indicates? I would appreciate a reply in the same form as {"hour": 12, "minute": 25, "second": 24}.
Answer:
{"hour": 5, "minute": 21, "second": 19}
